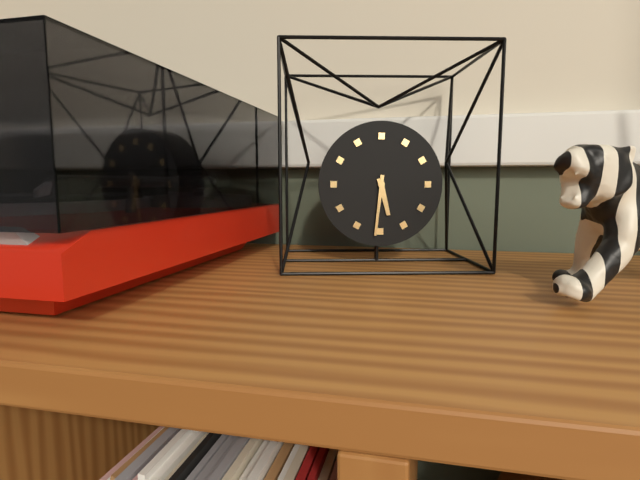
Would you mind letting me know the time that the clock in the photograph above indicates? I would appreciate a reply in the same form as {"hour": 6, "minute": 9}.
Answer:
{"hour": 5, "minute": 31}
